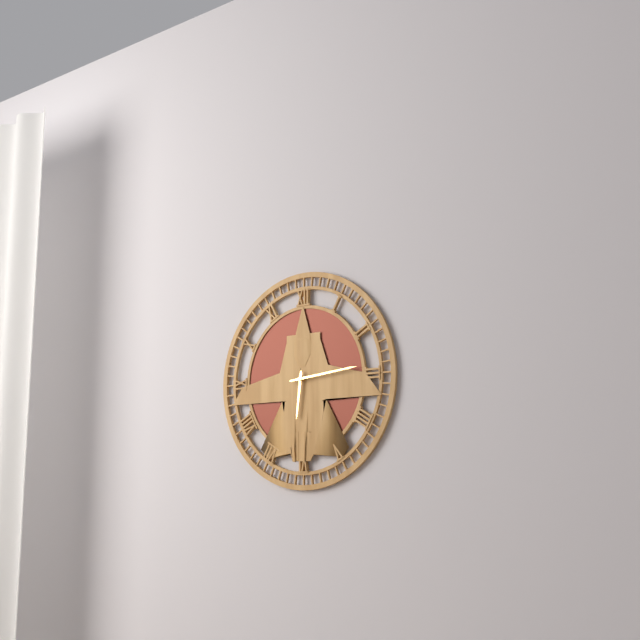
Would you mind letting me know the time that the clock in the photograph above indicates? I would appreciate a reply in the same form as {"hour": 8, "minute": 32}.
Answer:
{"hour": 6, "minute": 14}
